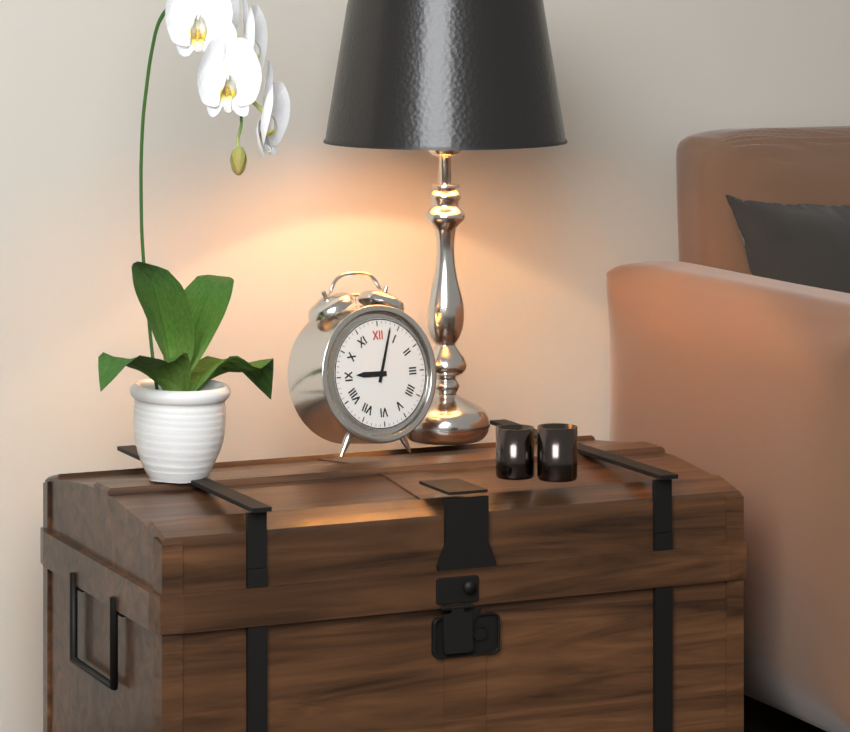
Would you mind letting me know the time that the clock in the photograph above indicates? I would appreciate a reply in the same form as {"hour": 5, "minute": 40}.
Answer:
{"hour": 9, "minute": 3}
